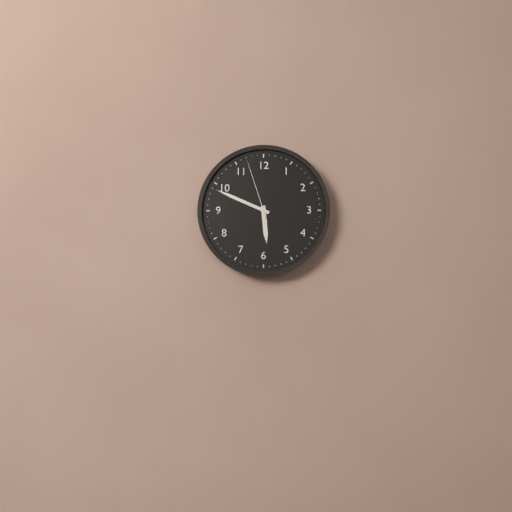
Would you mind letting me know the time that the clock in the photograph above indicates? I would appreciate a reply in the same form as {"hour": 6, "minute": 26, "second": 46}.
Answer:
{"hour": 5, "minute": 49, "second": 57}
